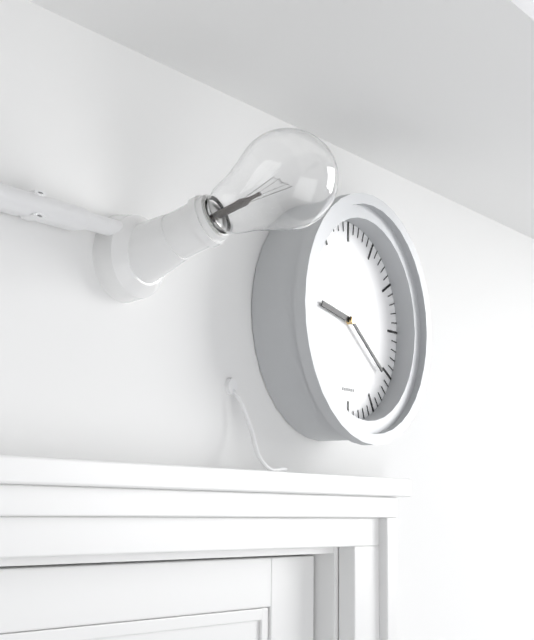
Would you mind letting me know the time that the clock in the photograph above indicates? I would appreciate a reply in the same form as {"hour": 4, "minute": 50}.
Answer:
{"hour": 9, "minute": 21}
